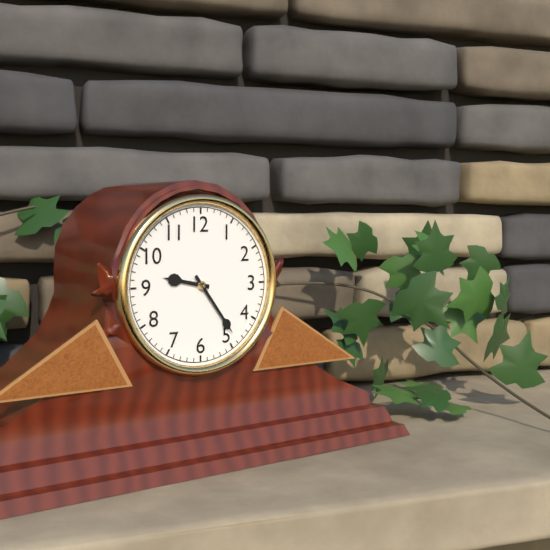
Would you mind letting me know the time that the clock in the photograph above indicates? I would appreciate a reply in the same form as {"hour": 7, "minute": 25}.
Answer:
{"hour": 9, "minute": 24}
